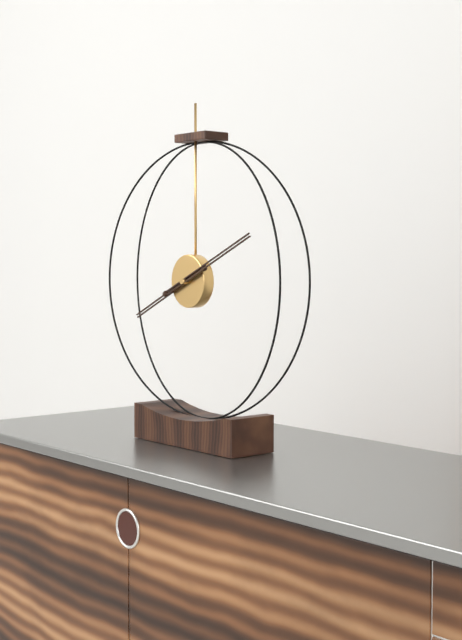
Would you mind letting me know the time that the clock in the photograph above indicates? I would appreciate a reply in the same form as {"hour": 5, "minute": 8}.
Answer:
{"hour": 8, "minute": 11}
